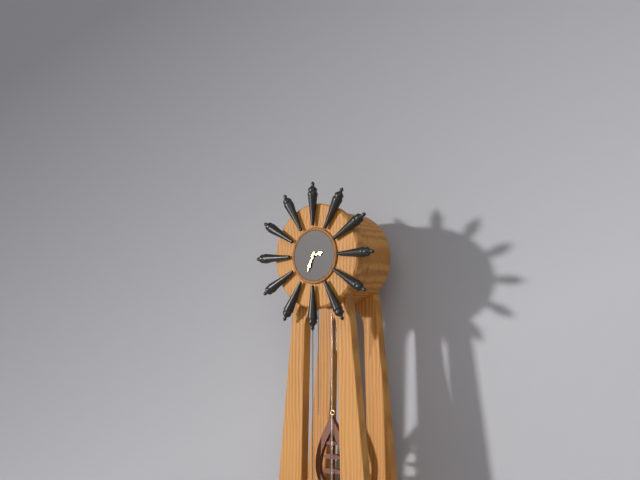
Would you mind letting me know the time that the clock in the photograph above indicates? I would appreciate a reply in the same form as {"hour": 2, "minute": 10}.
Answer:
{"hour": 2, "minute": 34}
